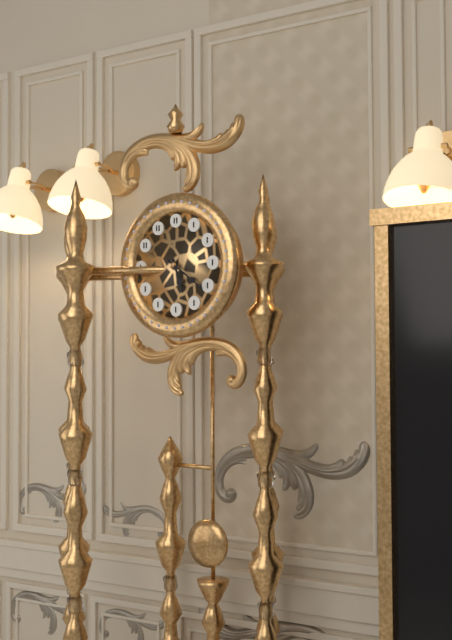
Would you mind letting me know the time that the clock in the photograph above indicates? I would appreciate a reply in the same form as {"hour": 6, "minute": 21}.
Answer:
{"hour": 5, "minute": 21}
